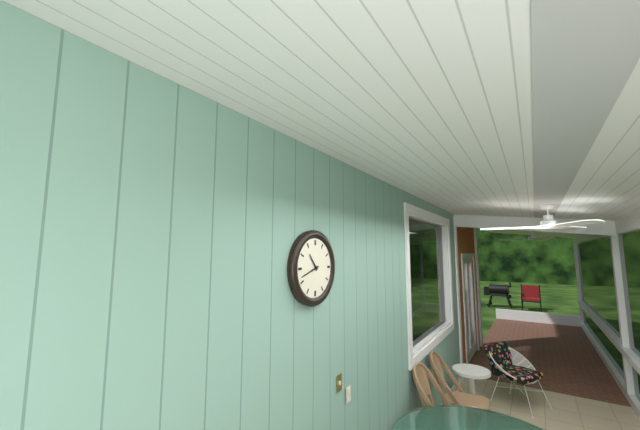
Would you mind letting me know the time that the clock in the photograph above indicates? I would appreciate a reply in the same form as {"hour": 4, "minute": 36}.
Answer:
{"hour": 10, "minute": 42}
